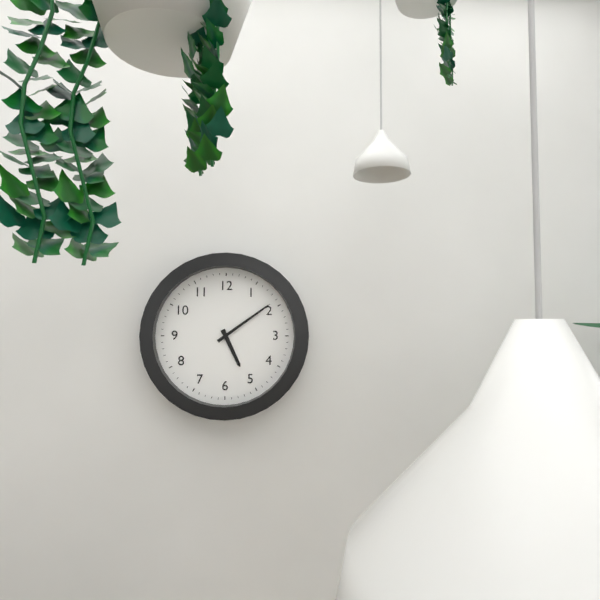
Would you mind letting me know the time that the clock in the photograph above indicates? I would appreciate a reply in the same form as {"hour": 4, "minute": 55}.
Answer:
{"hour": 5, "minute": 9}
